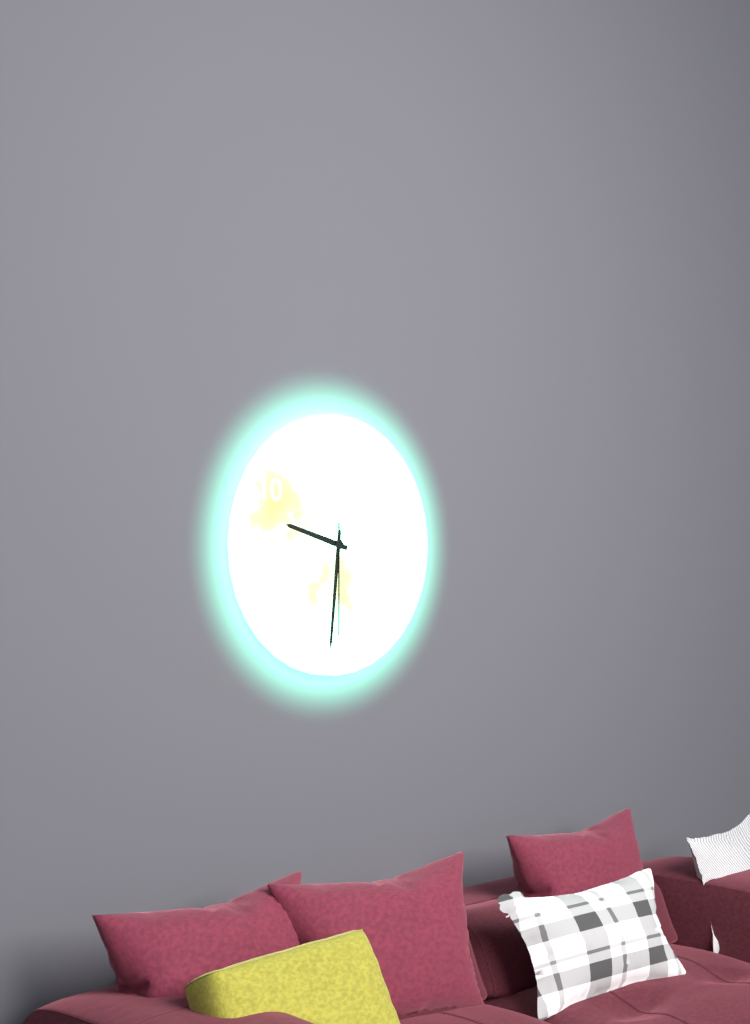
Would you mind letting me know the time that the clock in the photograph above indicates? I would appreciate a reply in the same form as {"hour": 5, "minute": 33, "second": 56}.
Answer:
{"hour": 9, "minute": 31, "second": 30}
